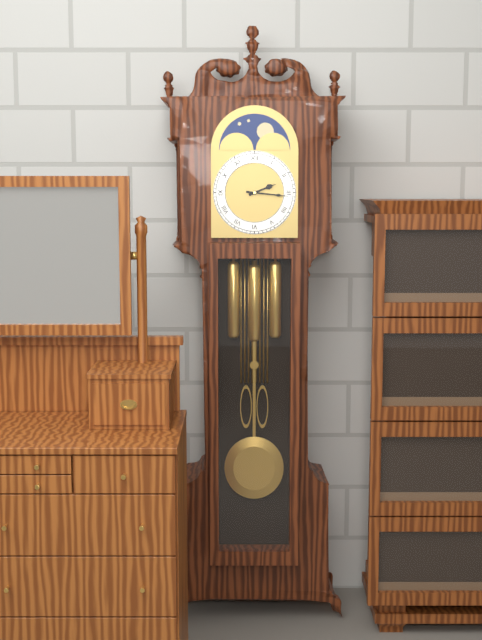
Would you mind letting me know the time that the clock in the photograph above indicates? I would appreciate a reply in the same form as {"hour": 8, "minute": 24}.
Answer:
{"hour": 2, "minute": 16}
